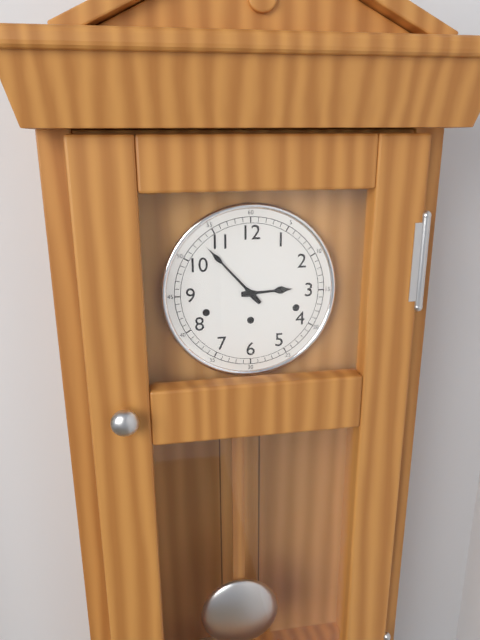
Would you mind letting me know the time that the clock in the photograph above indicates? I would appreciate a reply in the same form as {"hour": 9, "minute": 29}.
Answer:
{"hour": 2, "minute": 53}
